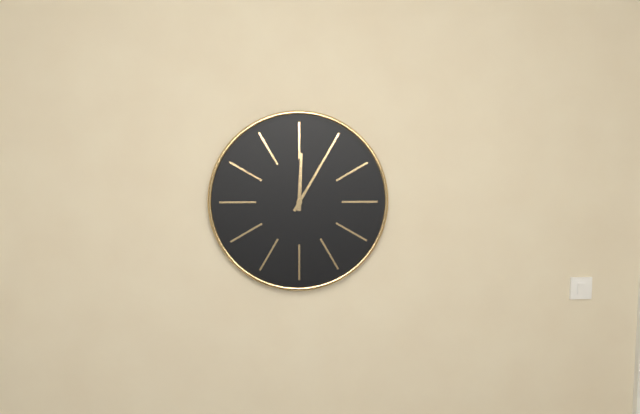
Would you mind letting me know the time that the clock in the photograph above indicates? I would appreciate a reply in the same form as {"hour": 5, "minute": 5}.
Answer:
{"hour": 12, "minute": 5}
